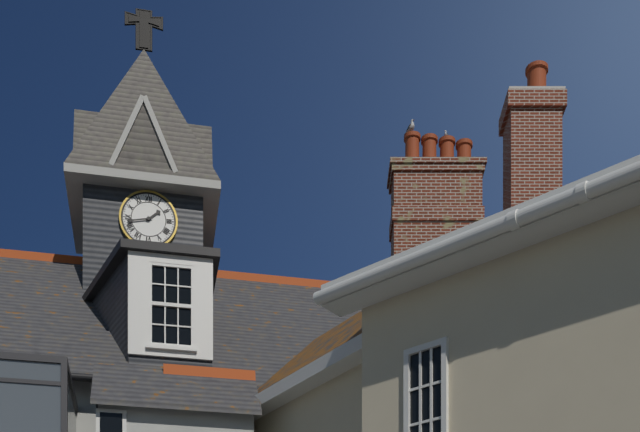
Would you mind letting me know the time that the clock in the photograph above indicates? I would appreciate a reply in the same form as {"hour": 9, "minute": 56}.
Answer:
{"hour": 1, "minute": 43}
